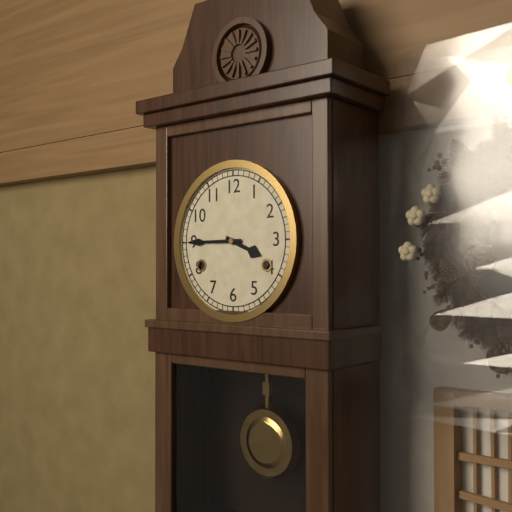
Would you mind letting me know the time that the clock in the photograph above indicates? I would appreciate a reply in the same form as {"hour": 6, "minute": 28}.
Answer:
{"hour": 3, "minute": 45}
